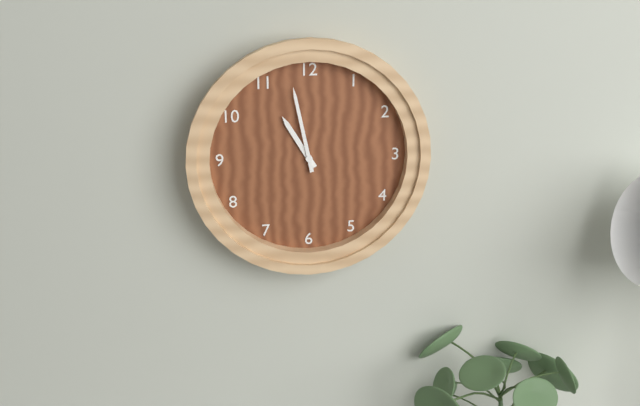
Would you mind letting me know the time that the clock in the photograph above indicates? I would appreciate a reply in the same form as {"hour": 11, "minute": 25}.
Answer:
{"hour": 10, "minute": 58}
